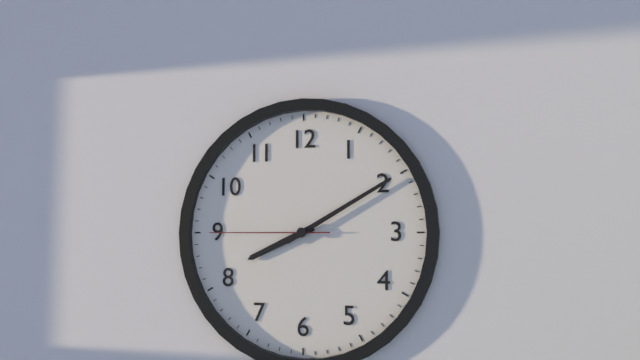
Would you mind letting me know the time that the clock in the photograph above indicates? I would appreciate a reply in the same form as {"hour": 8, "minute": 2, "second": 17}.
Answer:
{"hour": 8, "minute": 10, "second": 45}
